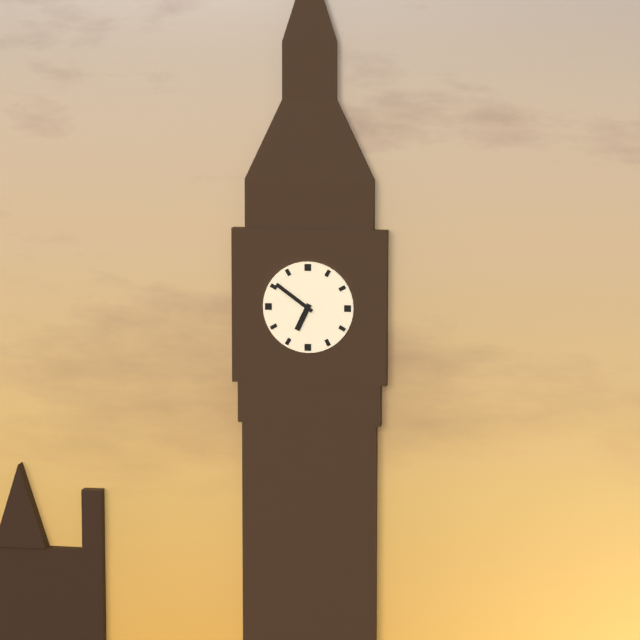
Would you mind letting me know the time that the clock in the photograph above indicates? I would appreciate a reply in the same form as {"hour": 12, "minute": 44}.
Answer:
{"hour": 6, "minute": 51}
